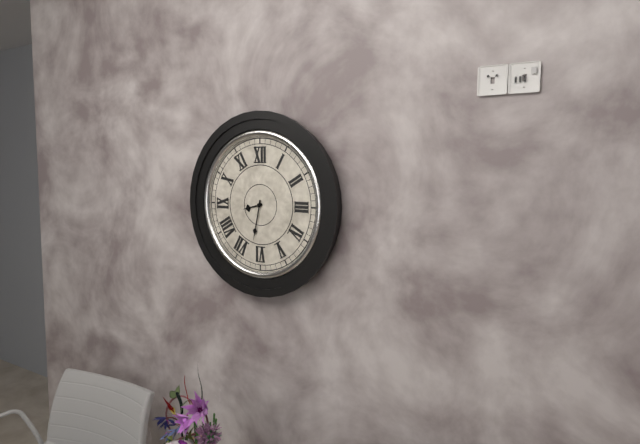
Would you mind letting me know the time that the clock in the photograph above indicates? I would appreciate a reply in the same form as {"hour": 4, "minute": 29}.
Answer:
{"hour": 8, "minute": 32}
